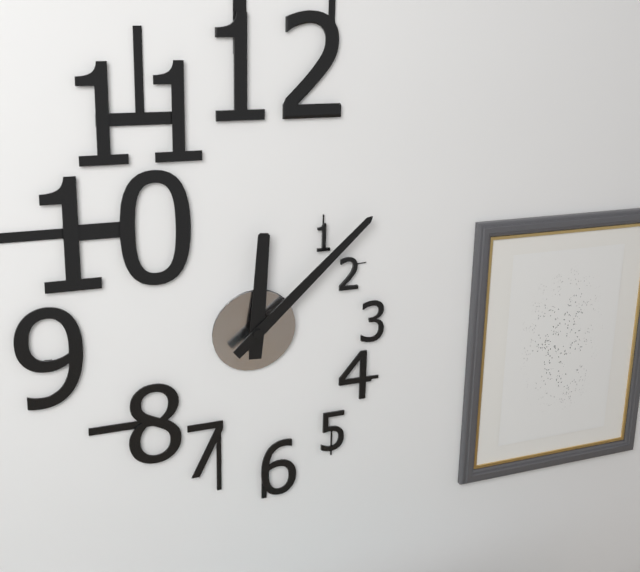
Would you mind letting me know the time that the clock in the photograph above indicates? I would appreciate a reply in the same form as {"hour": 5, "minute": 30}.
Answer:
{"hour": 12, "minute": 8}
